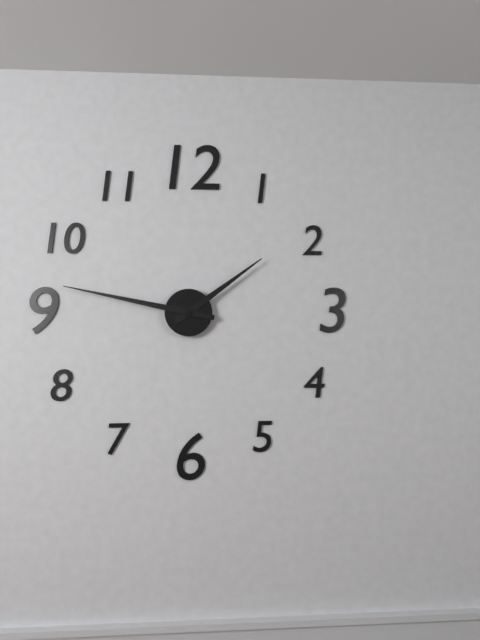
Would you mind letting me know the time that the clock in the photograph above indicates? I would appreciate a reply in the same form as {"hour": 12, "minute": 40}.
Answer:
{"hour": 1, "minute": 47}
